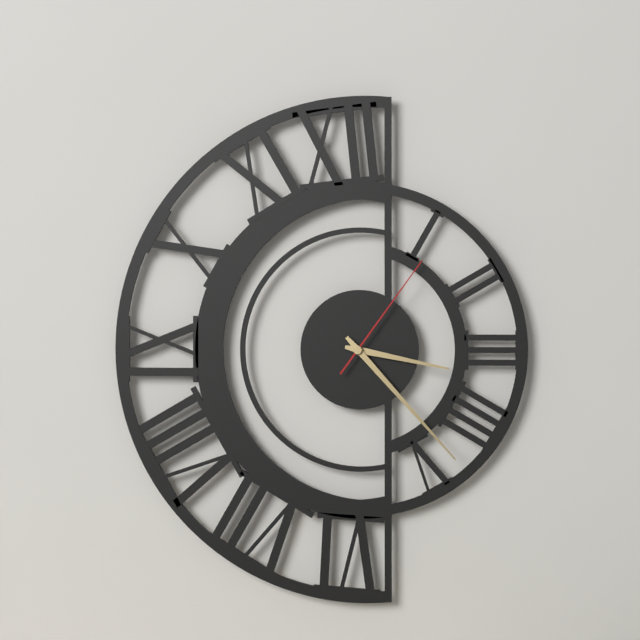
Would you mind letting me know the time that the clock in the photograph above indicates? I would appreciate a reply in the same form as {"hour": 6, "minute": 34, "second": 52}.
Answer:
{"hour": 3, "minute": 23, "second": 6}
